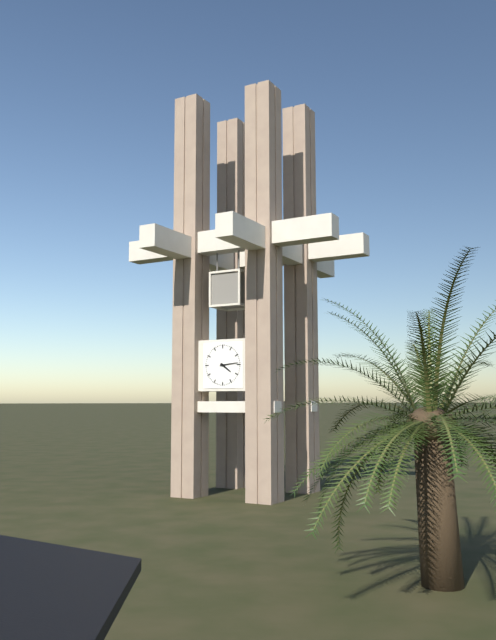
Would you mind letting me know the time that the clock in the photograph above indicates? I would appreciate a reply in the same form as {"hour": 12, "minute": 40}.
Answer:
{"hour": 4, "minute": 14}
